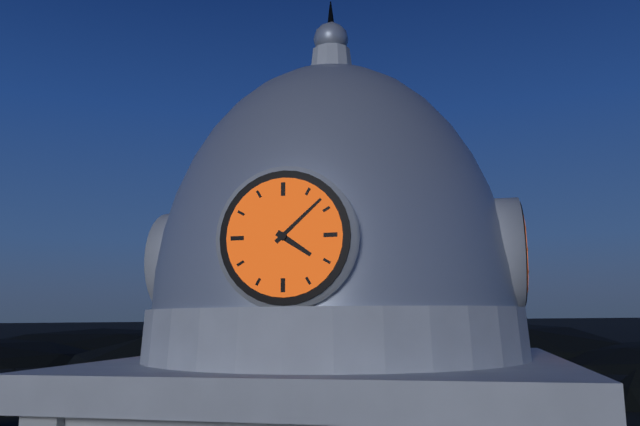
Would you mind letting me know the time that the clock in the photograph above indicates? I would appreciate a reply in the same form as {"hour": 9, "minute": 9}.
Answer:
{"hour": 4, "minute": 8}
